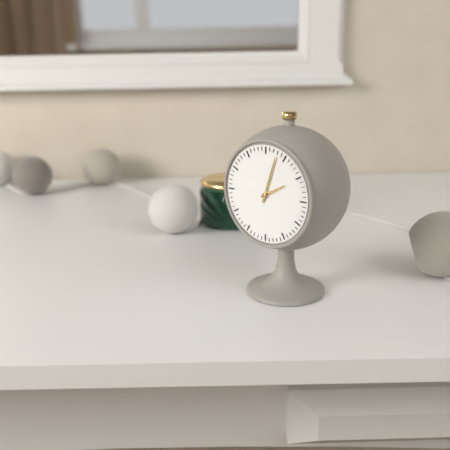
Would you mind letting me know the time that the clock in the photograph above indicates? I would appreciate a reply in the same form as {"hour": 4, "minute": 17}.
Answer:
{"hour": 2, "minute": 3}
